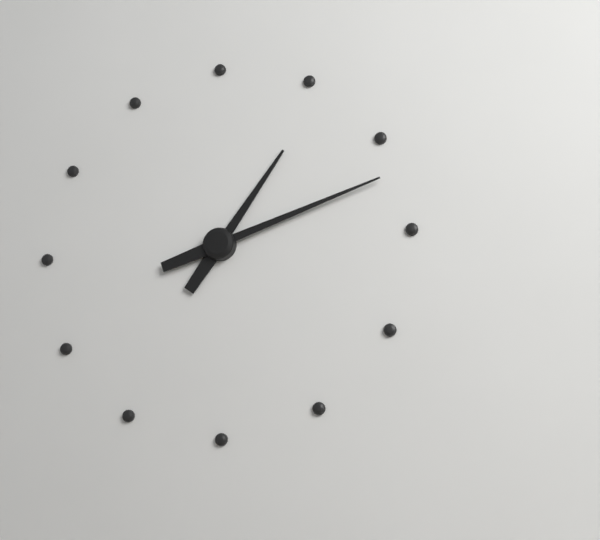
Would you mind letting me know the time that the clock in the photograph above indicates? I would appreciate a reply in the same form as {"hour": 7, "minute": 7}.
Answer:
{"hour": 1, "minute": 12}
